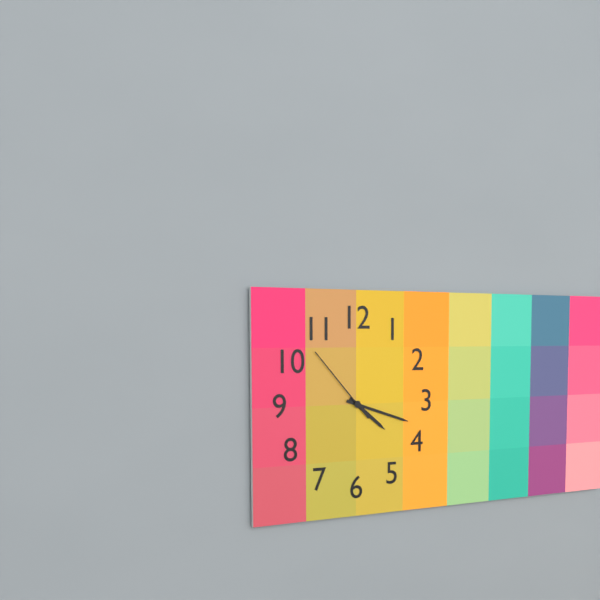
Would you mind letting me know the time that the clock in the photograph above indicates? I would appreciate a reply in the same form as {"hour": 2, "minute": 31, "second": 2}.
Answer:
{"hour": 4, "minute": 18, "second": 53}
